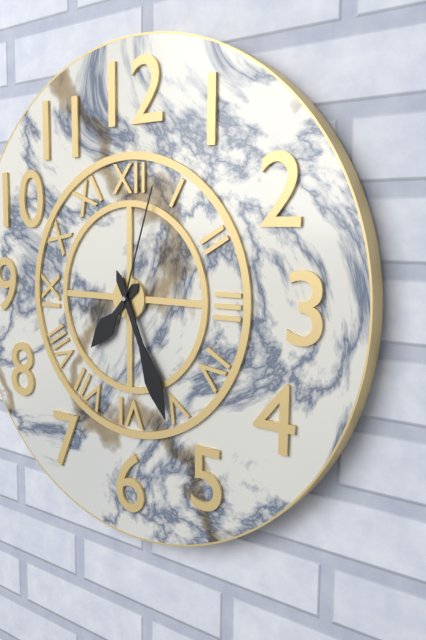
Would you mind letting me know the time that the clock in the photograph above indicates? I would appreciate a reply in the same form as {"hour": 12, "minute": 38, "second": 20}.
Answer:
{"hour": 7, "minute": 26, "second": 3}
